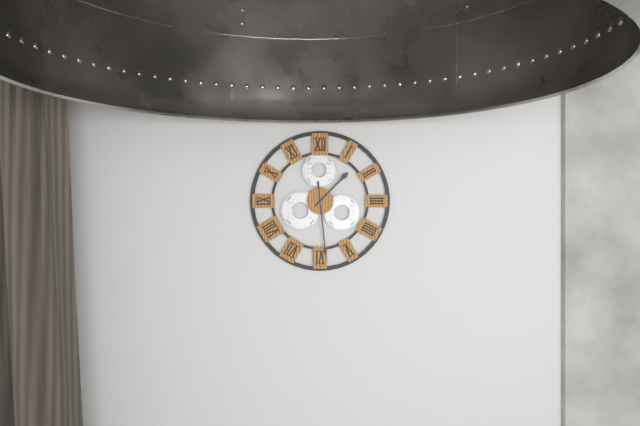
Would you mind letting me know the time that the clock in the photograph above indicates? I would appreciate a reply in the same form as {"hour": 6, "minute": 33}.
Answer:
{"hour": 1, "minute": 29}
